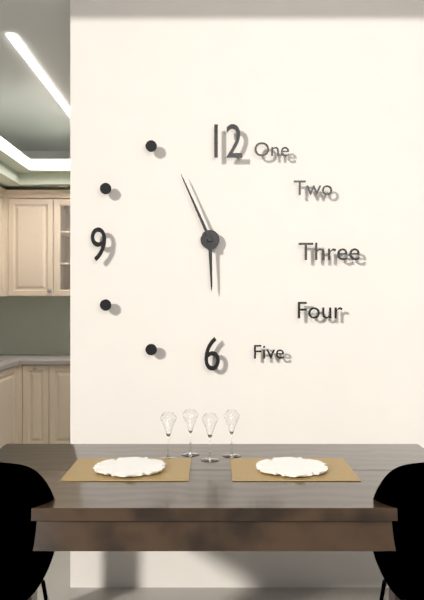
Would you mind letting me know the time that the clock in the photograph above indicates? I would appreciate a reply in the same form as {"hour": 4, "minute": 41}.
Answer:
{"hour": 5, "minute": 56}
